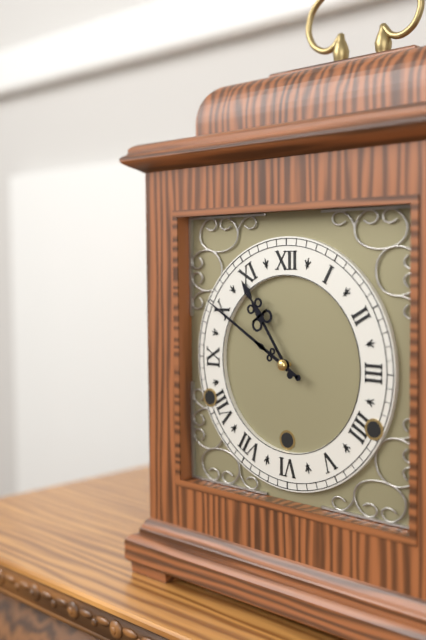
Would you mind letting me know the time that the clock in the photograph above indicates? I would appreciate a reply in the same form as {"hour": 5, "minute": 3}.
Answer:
{"hour": 10, "minute": 50}
